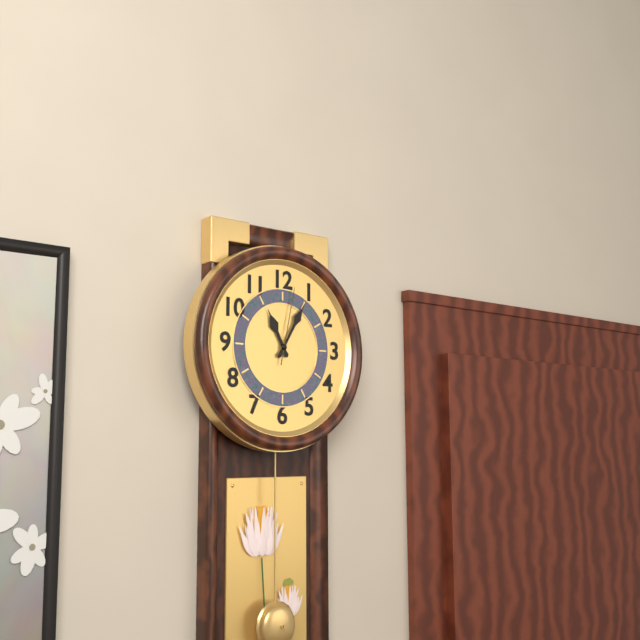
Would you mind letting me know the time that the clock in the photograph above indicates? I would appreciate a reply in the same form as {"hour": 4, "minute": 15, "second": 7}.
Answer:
{"hour": 11, "minute": 5, "second": 2}
